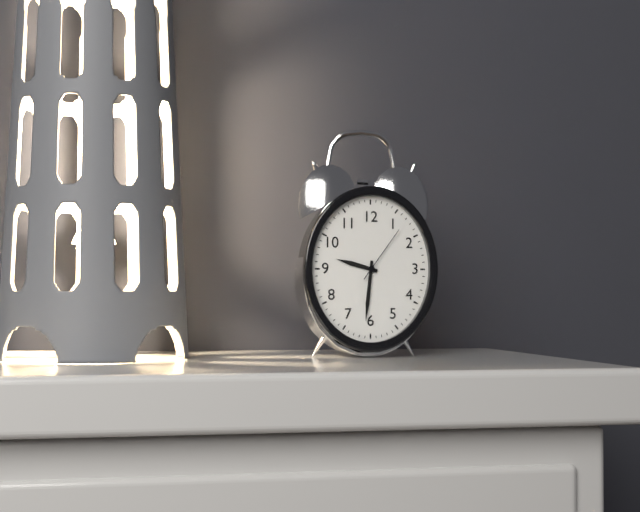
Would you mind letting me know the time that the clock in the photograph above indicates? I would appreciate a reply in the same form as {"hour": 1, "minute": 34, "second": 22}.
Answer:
{"hour": 9, "minute": 31, "second": 6}
